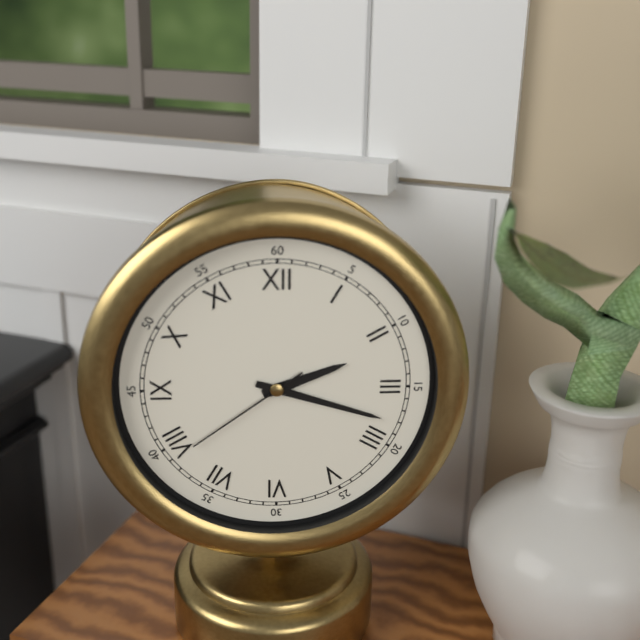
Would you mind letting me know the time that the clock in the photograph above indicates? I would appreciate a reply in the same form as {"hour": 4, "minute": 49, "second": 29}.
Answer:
{"hour": 2, "minute": 18, "second": 39}
